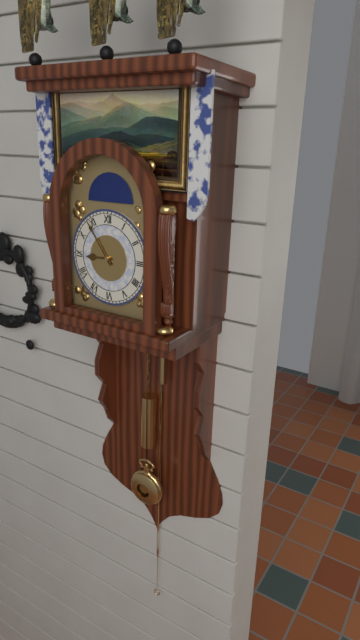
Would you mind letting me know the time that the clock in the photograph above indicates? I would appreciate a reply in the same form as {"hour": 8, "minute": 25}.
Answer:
{"hour": 8, "minute": 54}
